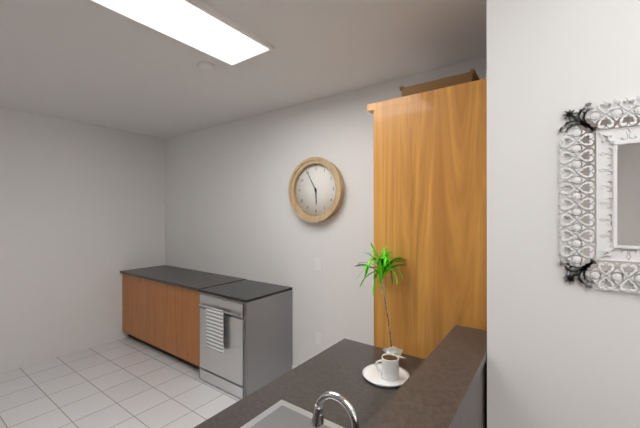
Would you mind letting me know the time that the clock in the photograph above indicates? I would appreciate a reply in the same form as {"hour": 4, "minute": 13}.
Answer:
{"hour": 5, "minute": 55}
